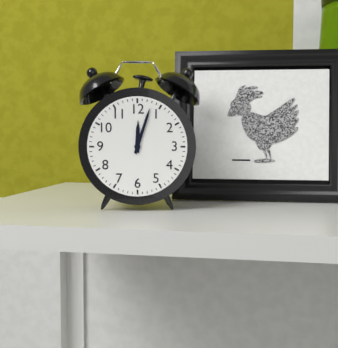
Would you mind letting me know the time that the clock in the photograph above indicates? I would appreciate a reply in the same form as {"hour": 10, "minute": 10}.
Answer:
{"hour": 12, "minute": 3}
